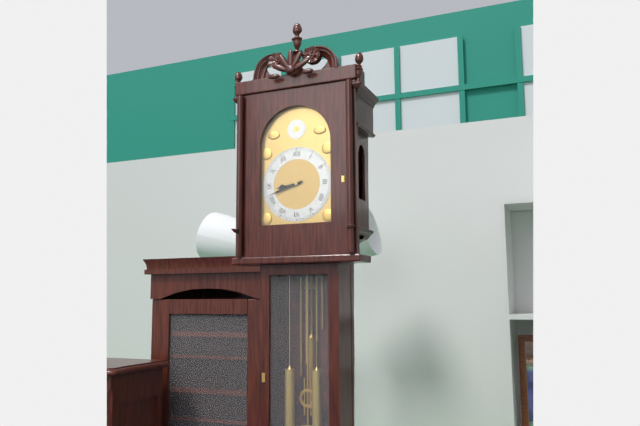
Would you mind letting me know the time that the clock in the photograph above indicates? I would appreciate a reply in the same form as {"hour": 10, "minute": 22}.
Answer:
{"hour": 8, "minute": 42}
